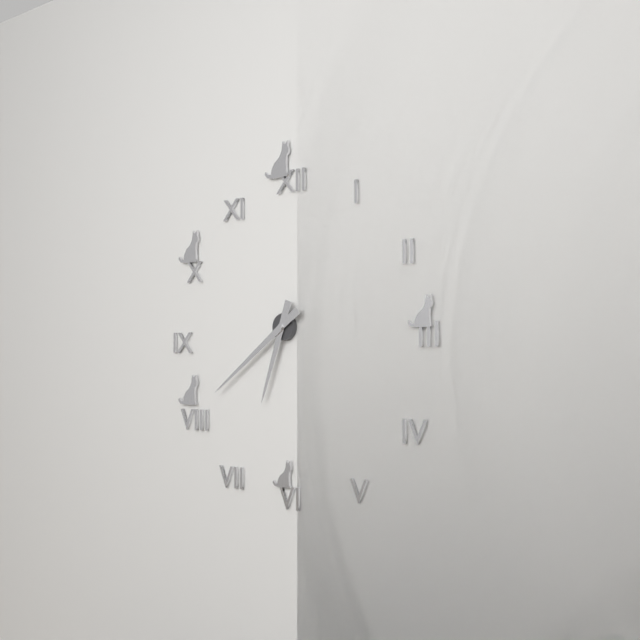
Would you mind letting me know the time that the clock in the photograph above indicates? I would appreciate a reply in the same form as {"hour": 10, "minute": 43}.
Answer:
{"hour": 6, "minute": 39}
